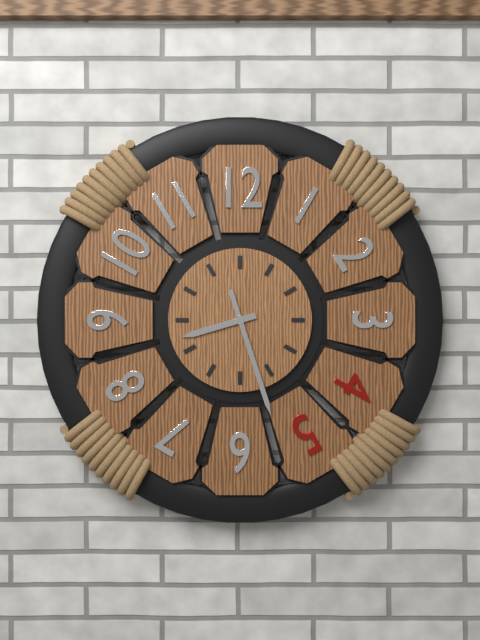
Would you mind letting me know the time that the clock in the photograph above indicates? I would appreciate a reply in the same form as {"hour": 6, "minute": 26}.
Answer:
{"hour": 8, "minute": 27}
